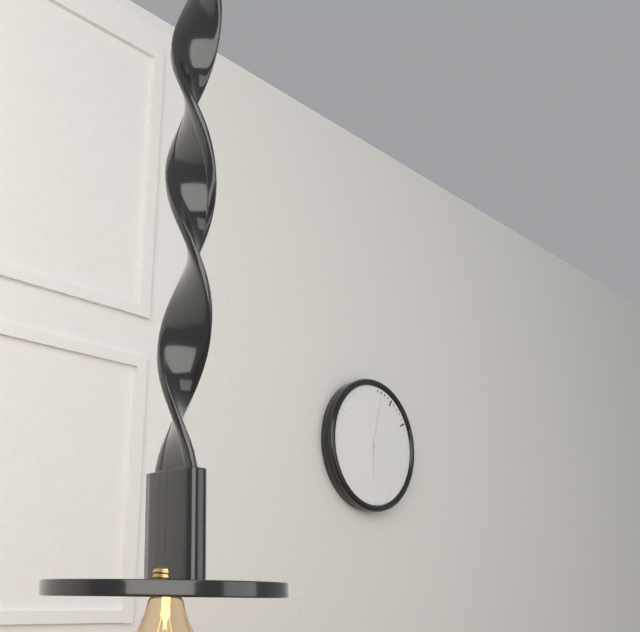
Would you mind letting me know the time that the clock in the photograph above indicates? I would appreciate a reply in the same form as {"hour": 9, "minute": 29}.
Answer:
{"hour": 6, "minute": 2}
